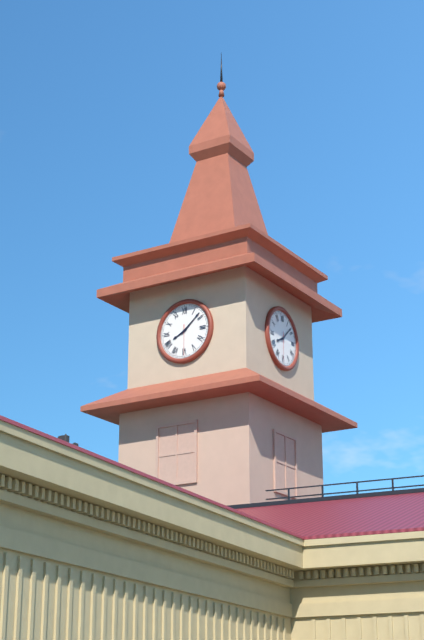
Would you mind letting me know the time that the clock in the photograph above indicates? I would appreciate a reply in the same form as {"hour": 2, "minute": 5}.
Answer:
{"hour": 8, "minute": 8}
